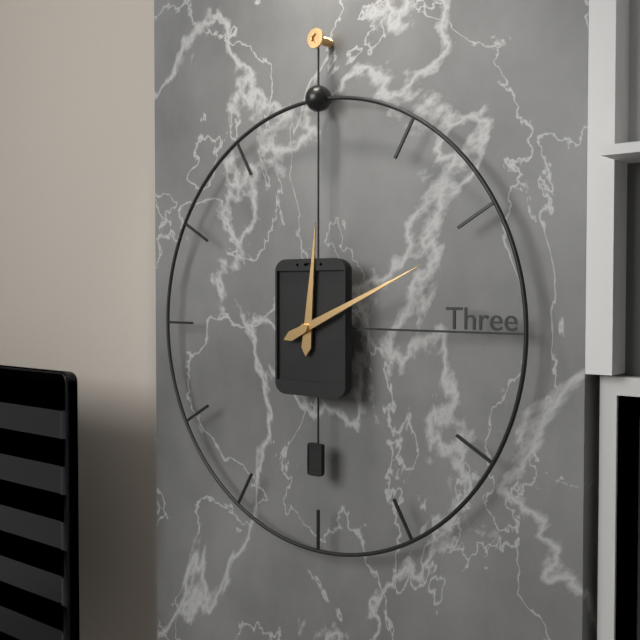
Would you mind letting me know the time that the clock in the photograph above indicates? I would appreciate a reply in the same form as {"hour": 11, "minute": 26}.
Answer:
{"hour": 12, "minute": 11}
